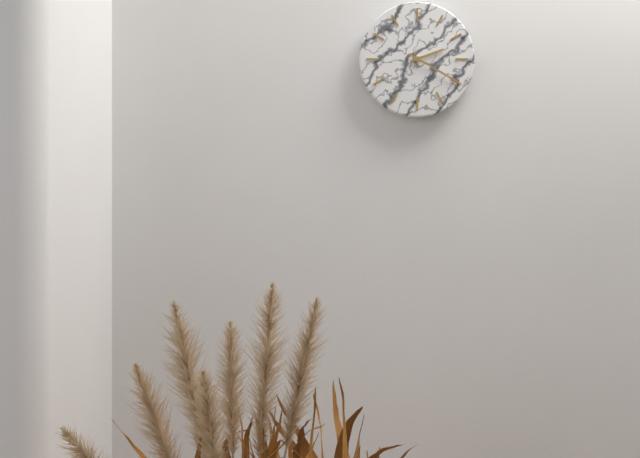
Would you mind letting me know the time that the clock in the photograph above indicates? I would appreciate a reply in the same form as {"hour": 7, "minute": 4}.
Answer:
{"hour": 2, "minute": 20}
